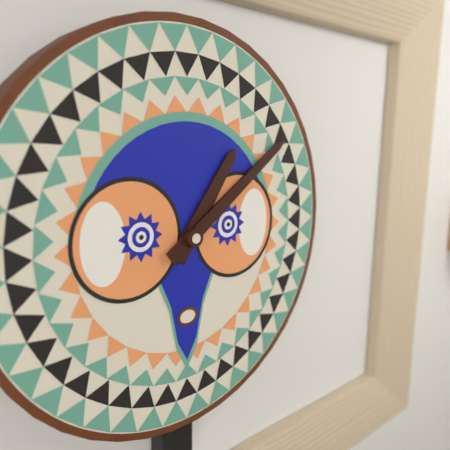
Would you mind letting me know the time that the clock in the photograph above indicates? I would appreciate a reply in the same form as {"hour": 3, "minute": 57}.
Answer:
{"hour": 1, "minute": 9}
